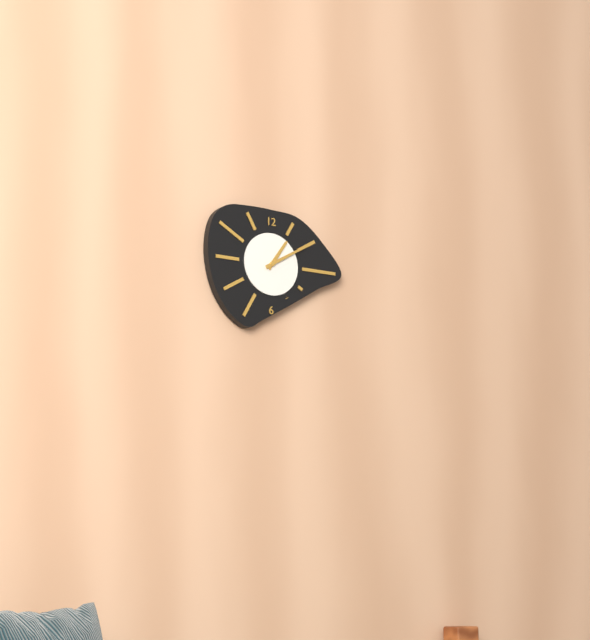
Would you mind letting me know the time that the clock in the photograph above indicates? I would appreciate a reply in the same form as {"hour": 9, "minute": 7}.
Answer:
{"hour": 1, "minute": 10}
